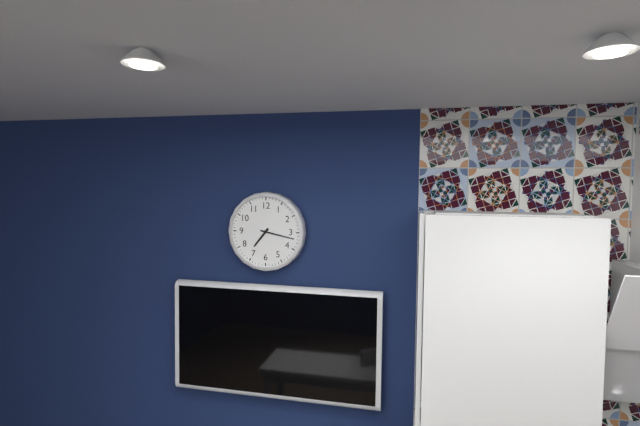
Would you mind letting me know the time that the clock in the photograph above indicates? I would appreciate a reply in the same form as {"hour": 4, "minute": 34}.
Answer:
{"hour": 7, "minute": 17}
